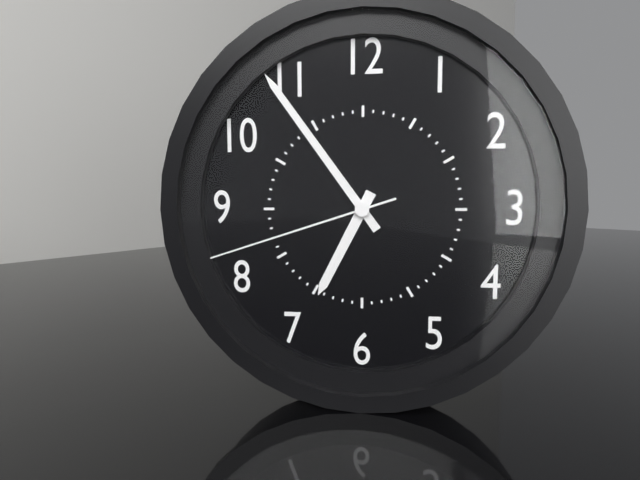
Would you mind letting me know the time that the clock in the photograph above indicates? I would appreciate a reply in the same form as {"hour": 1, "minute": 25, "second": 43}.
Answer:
{"hour": 6, "minute": 54, "second": 42}
